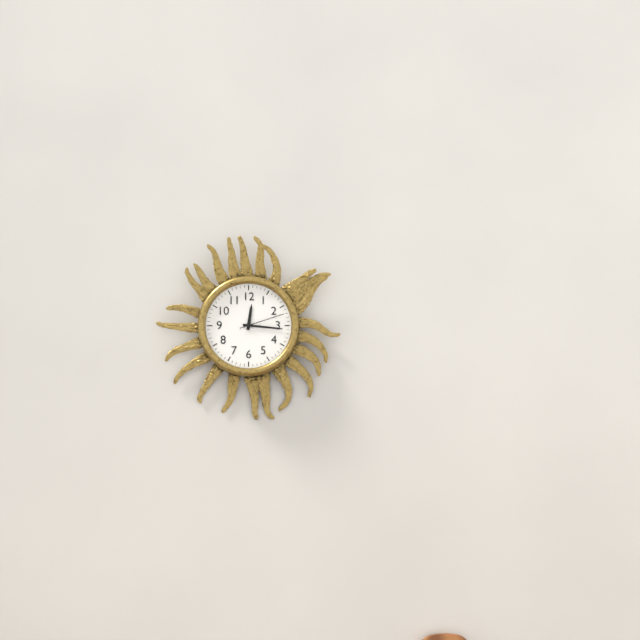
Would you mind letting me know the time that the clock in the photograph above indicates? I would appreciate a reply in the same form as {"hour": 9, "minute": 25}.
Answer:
{"hour": 12, "minute": 16}
